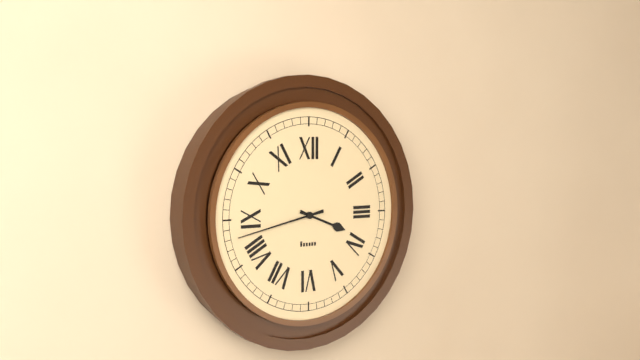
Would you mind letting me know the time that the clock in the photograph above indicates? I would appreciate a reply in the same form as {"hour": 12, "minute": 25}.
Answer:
{"hour": 3, "minute": 43}
